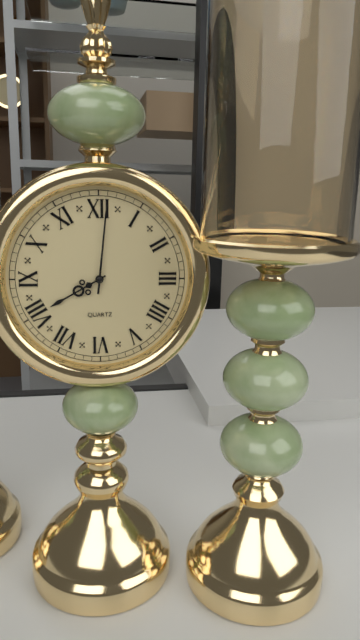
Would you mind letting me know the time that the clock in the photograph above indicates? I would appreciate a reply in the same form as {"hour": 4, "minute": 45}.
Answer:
{"hour": 8, "minute": 1}
